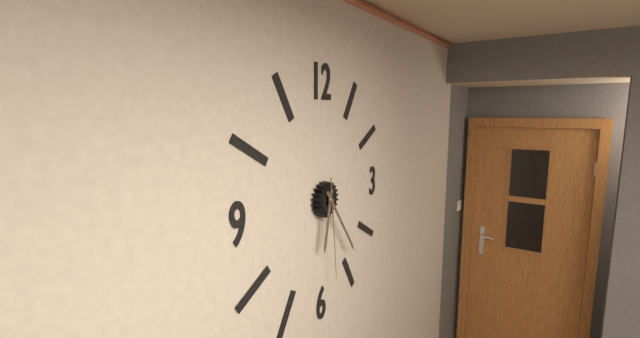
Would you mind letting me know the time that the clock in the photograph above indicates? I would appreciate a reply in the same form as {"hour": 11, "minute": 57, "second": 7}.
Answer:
{"hour": 6, "minute": 24, "second": 29}
